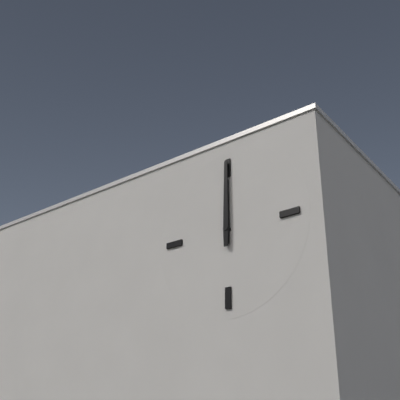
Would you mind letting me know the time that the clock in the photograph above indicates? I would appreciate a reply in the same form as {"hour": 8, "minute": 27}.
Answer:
{"hour": 12, "minute": 0}
